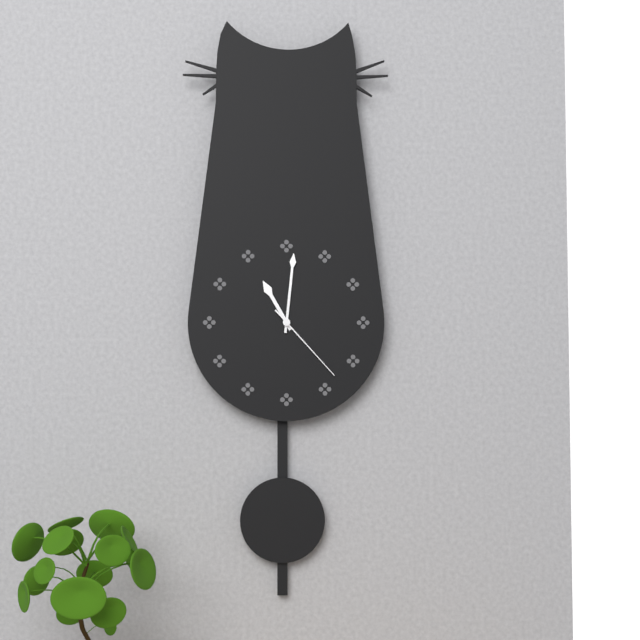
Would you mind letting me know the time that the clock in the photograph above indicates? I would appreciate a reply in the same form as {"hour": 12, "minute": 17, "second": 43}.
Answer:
{"hour": 11, "minute": 1, "second": 23}
